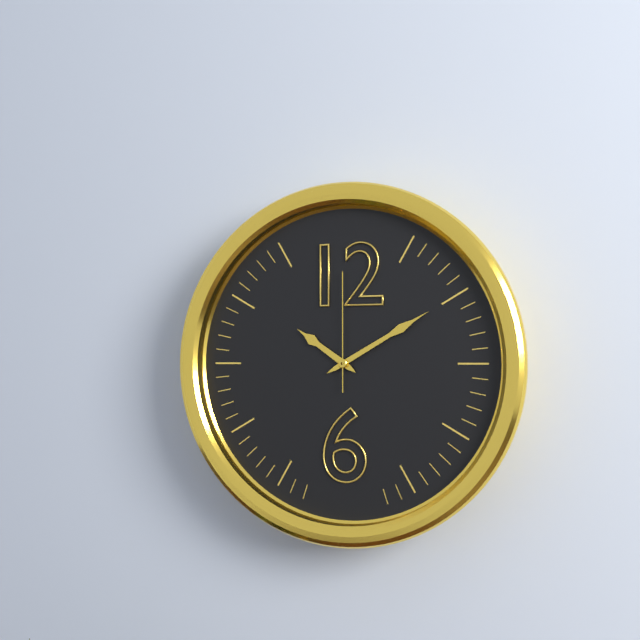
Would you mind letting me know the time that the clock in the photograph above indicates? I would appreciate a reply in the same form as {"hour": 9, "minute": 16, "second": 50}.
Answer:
{"hour": 10, "minute": 10, "second": 0}
